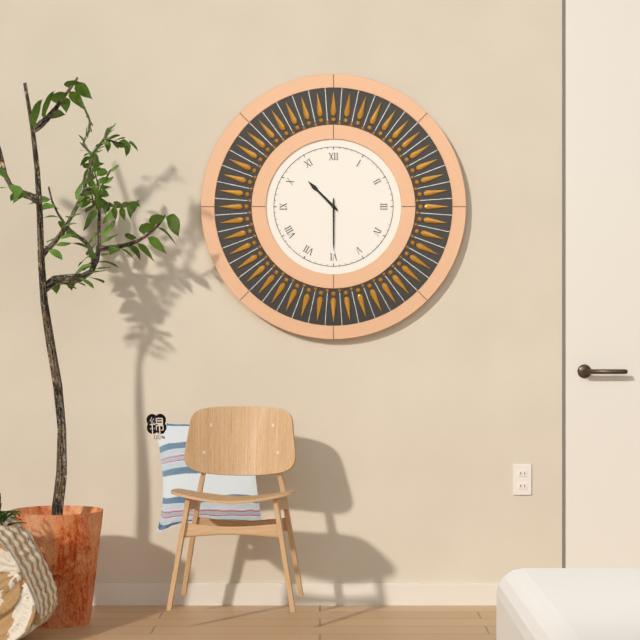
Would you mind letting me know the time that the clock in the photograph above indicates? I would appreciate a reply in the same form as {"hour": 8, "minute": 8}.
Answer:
{"hour": 10, "minute": 30}
